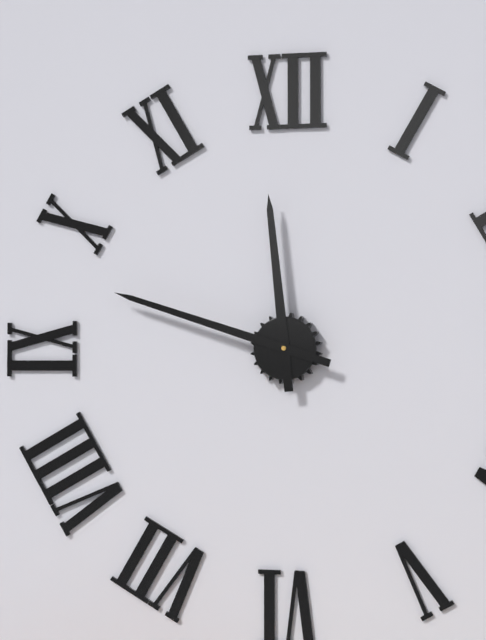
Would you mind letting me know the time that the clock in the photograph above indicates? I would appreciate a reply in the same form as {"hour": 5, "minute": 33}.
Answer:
{"hour": 11, "minute": 48}
